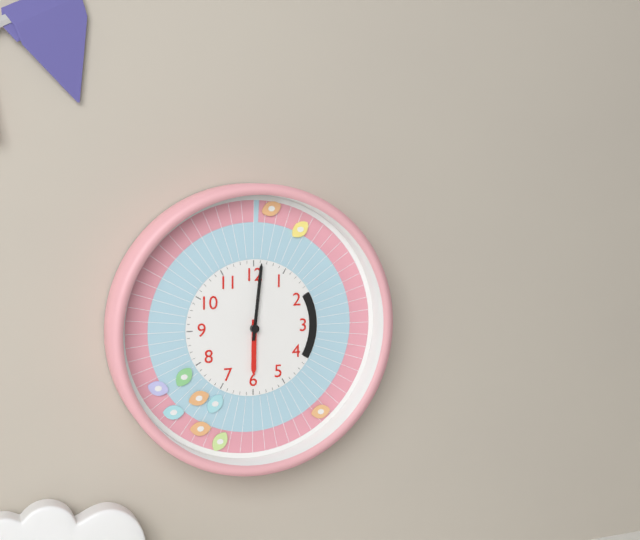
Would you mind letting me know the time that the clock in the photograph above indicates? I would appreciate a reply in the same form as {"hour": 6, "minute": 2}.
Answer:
{"hour": 6, "minute": 1}
